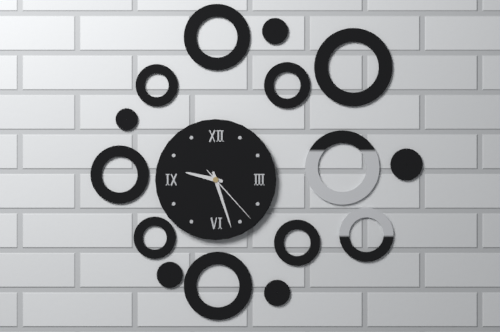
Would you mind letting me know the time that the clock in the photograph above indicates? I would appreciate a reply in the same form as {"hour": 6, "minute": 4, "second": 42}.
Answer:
{"hour": 9, "minute": 27, "second": 23}
